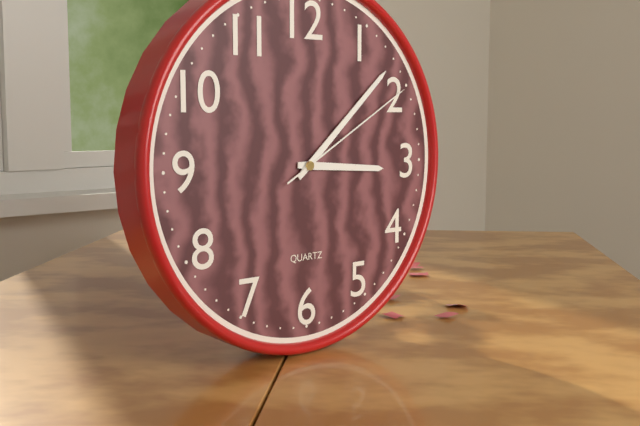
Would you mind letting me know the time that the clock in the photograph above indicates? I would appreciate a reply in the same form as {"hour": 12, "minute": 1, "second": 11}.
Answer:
{"hour": 3, "minute": 8, "second": 10}
